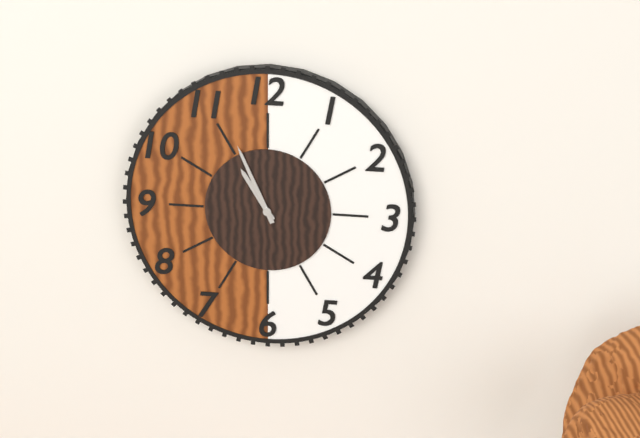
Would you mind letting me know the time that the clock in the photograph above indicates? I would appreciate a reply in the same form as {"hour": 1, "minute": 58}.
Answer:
{"hour": 10, "minute": 56}
